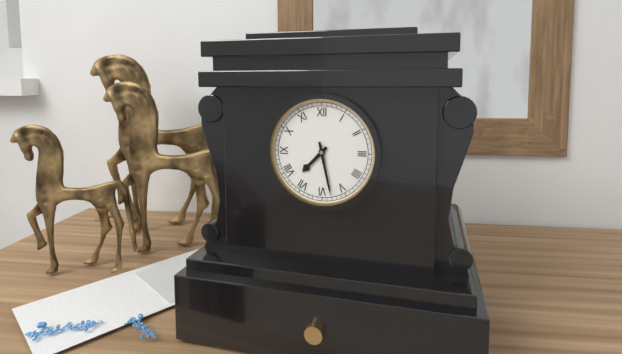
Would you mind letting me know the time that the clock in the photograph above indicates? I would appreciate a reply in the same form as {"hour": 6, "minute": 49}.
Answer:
{"hour": 7, "minute": 28}
